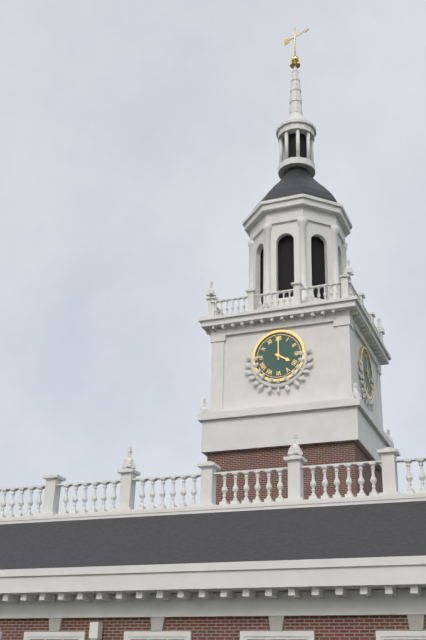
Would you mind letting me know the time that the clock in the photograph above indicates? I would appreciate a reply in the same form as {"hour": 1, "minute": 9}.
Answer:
{"hour": 4, "minute": 0}
